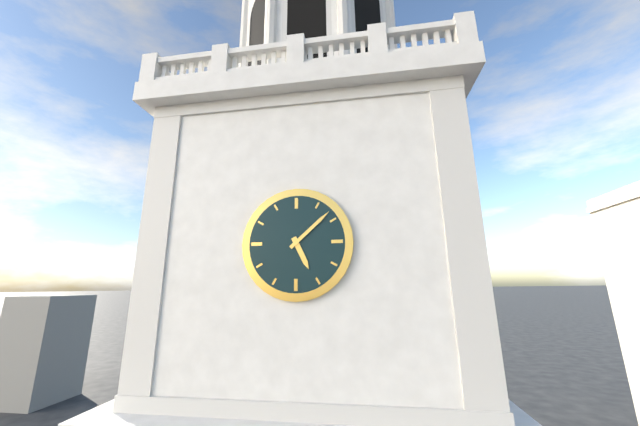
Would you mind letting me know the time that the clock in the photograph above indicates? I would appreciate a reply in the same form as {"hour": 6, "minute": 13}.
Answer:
{"hour": 5, "minute": 8}
